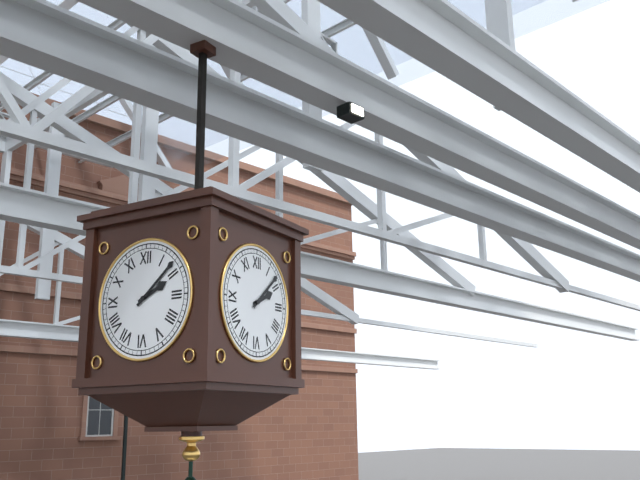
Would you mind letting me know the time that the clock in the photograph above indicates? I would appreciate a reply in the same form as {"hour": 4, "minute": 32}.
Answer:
{"hour": 2, "minute": 8}
